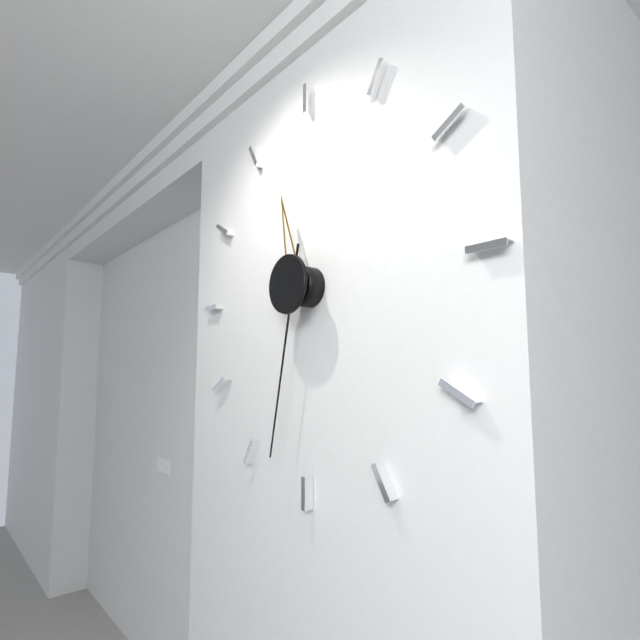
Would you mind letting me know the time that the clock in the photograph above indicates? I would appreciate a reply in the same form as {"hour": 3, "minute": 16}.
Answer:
{"hour": 11, "minute": 32}
